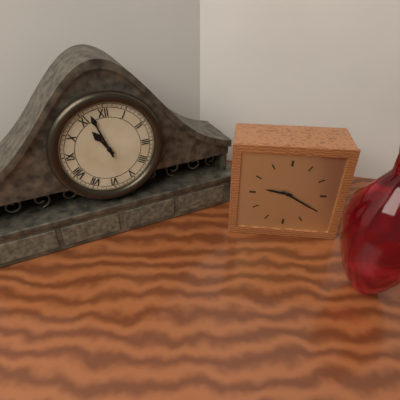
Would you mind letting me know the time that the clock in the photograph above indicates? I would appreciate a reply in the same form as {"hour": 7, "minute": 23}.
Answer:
{"hour": 10, "minute": 57}
